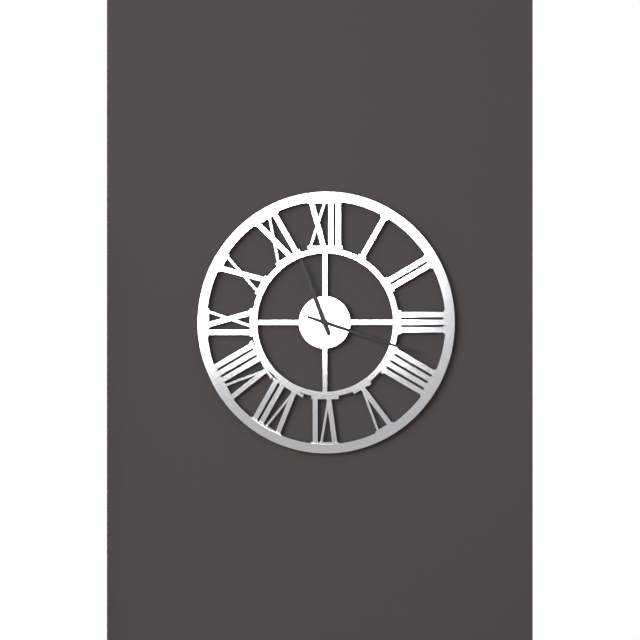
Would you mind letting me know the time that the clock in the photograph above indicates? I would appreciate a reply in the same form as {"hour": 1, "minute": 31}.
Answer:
{"hour": 11, "minute": 18}
